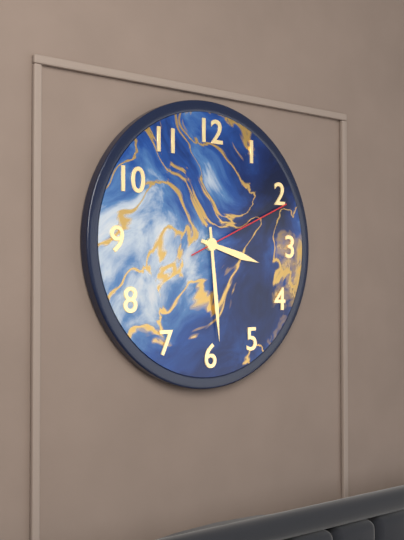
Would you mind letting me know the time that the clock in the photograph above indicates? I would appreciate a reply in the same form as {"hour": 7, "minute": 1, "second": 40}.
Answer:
{"hour": 3, "minute": 29, "second": 11}
